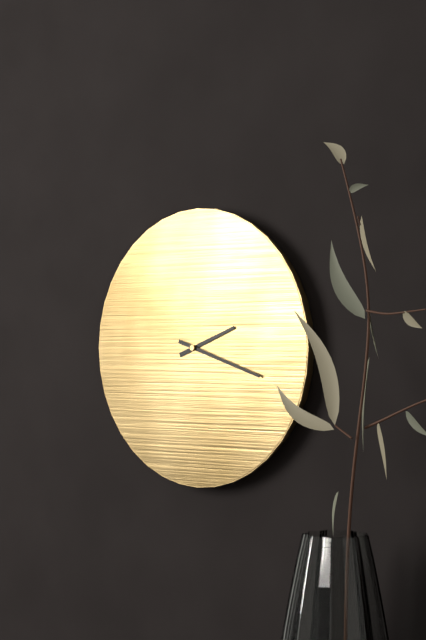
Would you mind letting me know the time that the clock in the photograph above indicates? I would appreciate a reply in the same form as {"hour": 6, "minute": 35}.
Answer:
{"hour": 2, "minute": 18}
